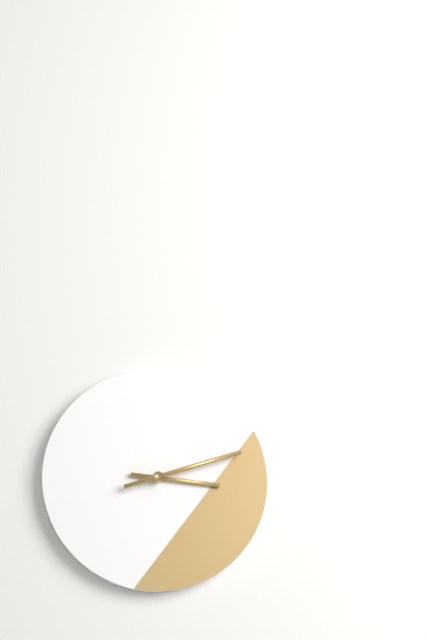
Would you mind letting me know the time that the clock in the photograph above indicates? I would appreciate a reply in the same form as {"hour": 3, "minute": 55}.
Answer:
{"hour": 3, "minute": 12}
